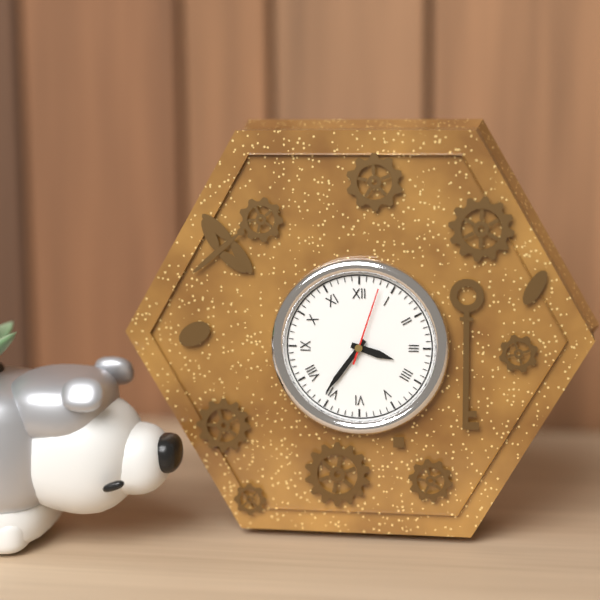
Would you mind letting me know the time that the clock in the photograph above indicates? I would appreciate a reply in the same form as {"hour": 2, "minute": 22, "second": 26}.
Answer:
{"hour": 3, "minute": 36, "second": 3}
